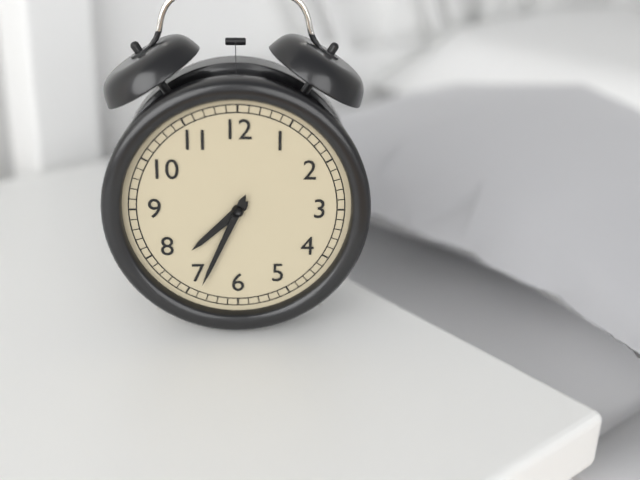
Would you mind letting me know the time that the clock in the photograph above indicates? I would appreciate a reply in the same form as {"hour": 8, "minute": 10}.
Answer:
{"hour": 7, "minute": 34}
